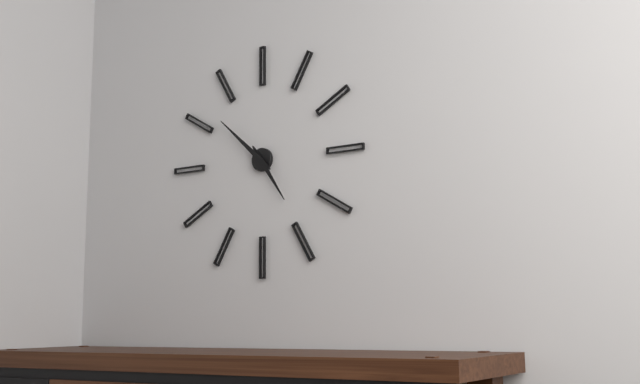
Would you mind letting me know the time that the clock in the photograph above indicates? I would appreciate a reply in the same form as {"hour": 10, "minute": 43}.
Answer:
{"hour": 4, "minute": 52}
